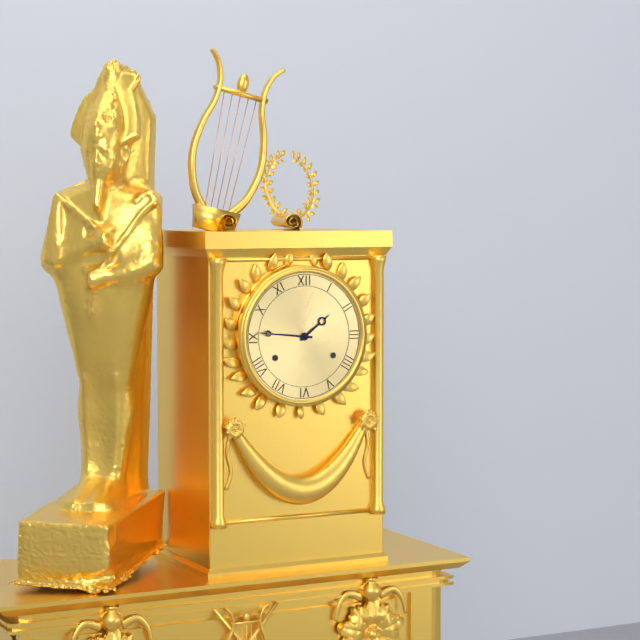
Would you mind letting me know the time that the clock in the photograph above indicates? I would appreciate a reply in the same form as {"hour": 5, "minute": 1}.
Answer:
{"hour": 1, "minute": 46}
